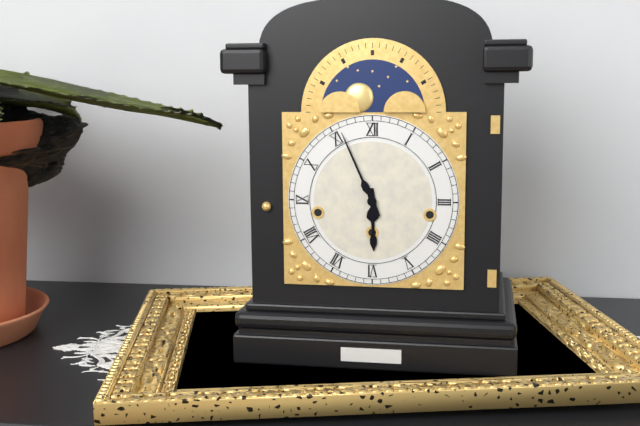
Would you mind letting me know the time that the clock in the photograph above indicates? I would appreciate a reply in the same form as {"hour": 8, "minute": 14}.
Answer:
{"hour": 5, "minute": 56}
